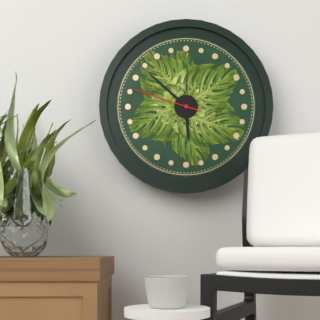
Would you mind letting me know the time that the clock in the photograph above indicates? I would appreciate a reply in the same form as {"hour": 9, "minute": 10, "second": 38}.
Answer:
{"hour": 5, "minute": 52, "second": 48}
